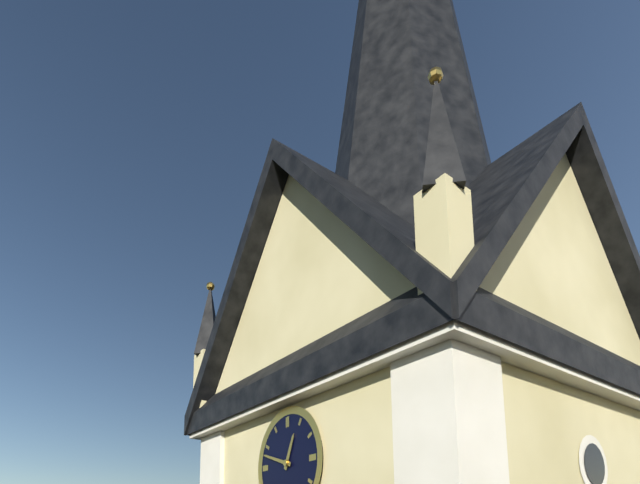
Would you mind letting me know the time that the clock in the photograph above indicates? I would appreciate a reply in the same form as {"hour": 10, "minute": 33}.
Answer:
{"hour": 12, "minute": 48}
